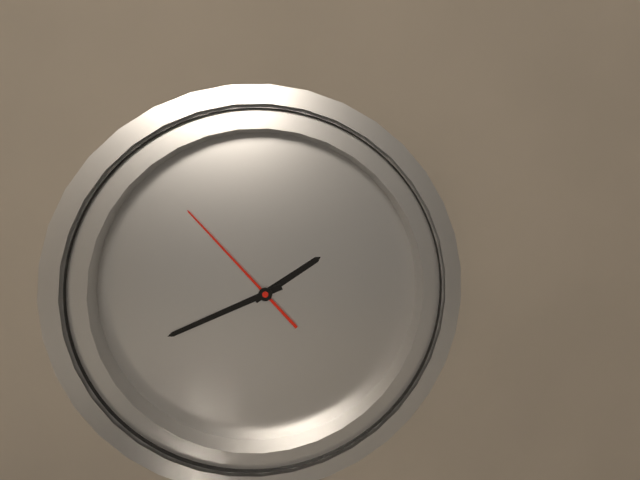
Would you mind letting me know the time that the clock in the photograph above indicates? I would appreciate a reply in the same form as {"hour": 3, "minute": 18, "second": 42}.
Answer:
{"hour": 1, "minute": 40, "second": 52}
